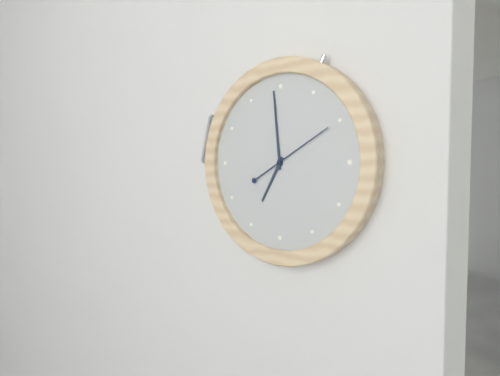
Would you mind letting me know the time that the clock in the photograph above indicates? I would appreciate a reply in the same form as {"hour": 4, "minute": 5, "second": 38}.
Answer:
{"hour": 6, "minute": 59, "second": 10}
